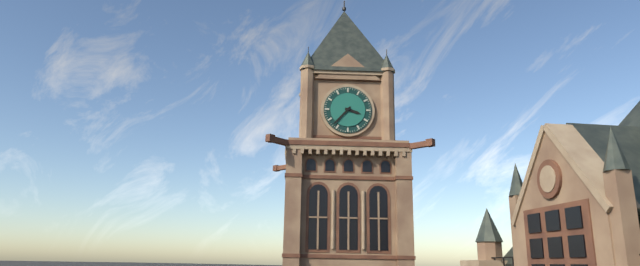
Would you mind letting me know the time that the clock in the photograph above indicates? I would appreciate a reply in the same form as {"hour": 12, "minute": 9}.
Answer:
{"hour": 3, "minute": 37}
